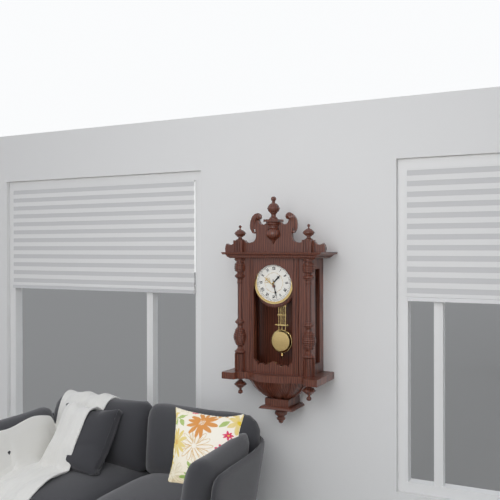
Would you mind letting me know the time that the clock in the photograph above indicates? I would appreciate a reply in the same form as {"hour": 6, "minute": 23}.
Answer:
{"hour": 1, "minute": 28}
